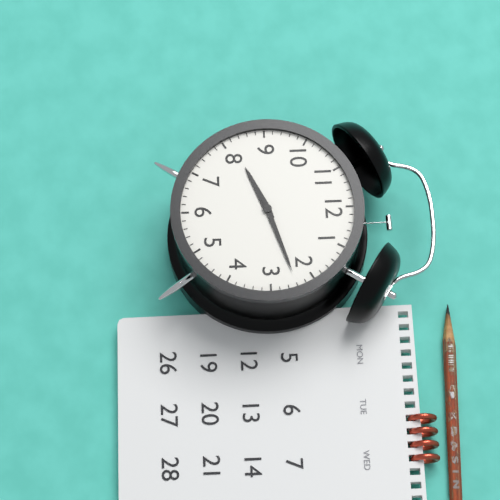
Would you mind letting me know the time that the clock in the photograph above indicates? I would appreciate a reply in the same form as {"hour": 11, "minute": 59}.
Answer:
{"hour": 8, "minute": 12}
